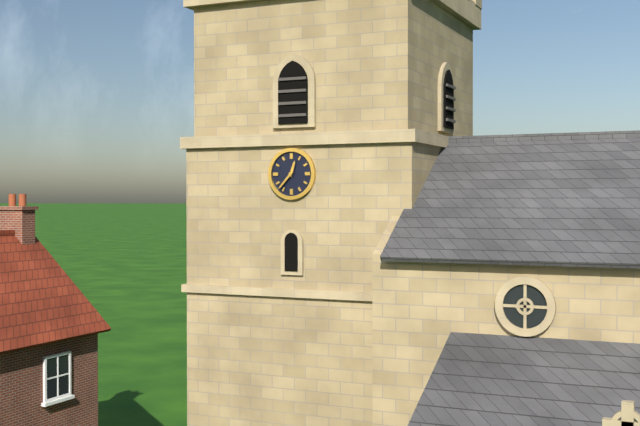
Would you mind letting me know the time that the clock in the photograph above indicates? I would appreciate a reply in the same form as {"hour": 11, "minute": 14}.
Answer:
{"hour": 12, "minute": 37}
